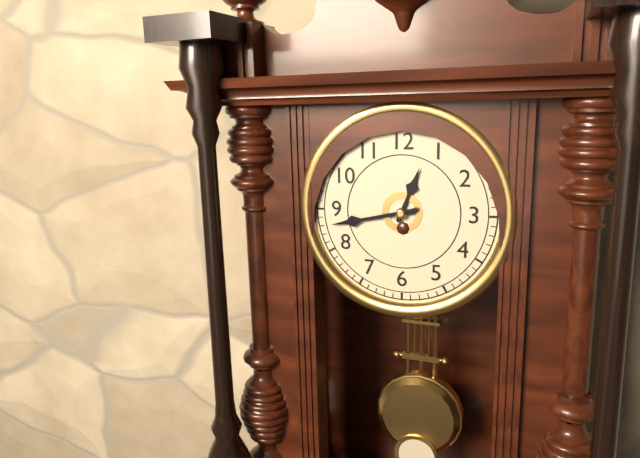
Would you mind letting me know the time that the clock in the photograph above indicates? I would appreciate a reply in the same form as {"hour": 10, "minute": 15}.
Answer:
{"hour": 12, "minute": 43}
